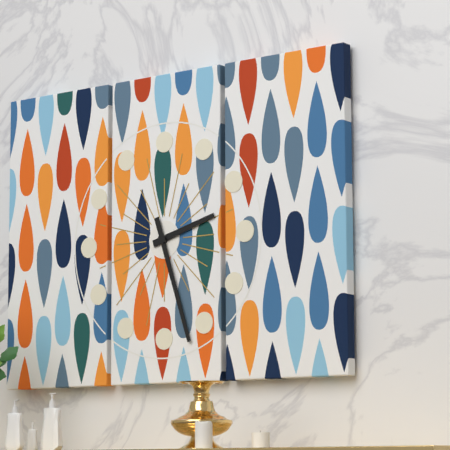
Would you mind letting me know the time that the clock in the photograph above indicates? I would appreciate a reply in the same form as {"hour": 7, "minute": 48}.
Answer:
{"hour": 2, "minute": 27}
